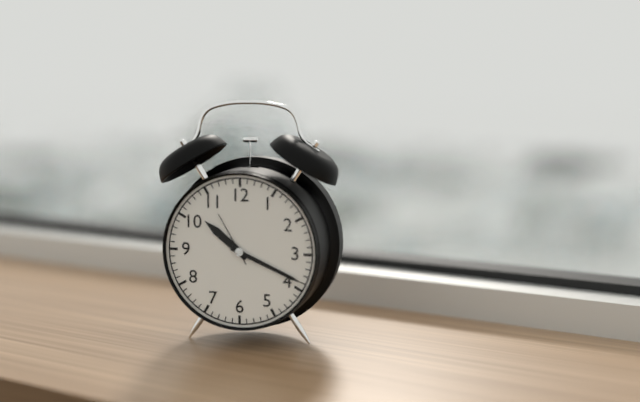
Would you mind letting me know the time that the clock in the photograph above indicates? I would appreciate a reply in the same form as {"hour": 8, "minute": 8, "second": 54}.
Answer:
{"hour": 10, "minute": 19, "second": 55}
